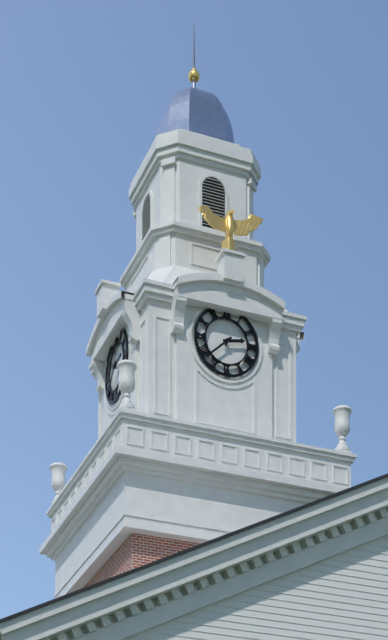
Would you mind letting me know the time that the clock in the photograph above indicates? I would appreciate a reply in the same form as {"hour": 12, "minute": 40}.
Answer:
{"hour": 2, "minute": 38}
